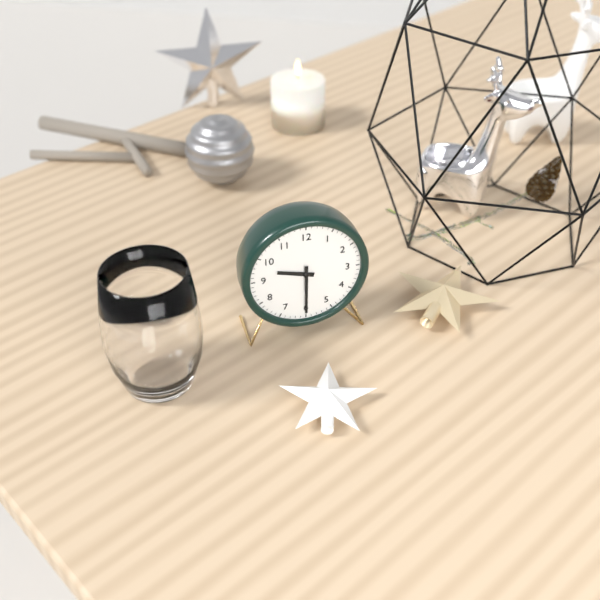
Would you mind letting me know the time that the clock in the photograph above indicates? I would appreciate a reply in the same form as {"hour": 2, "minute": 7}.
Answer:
{"hour": 9, "minute": 30}
